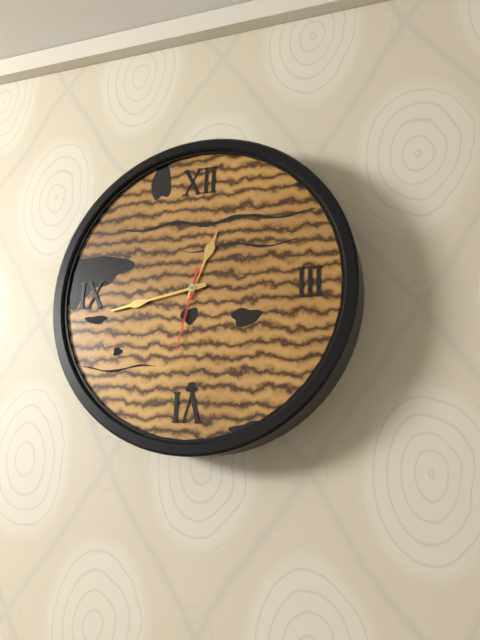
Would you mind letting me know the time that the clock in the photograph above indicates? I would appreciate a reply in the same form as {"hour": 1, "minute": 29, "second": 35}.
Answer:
{"hour": 12, "minute": 43, "second": 32}
